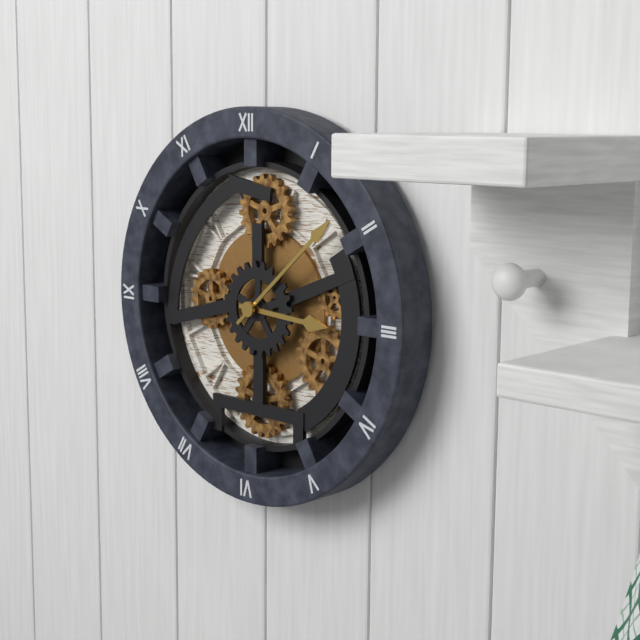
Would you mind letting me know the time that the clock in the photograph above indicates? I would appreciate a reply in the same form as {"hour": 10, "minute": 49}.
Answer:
{"hour": 3, "minute": 8}
